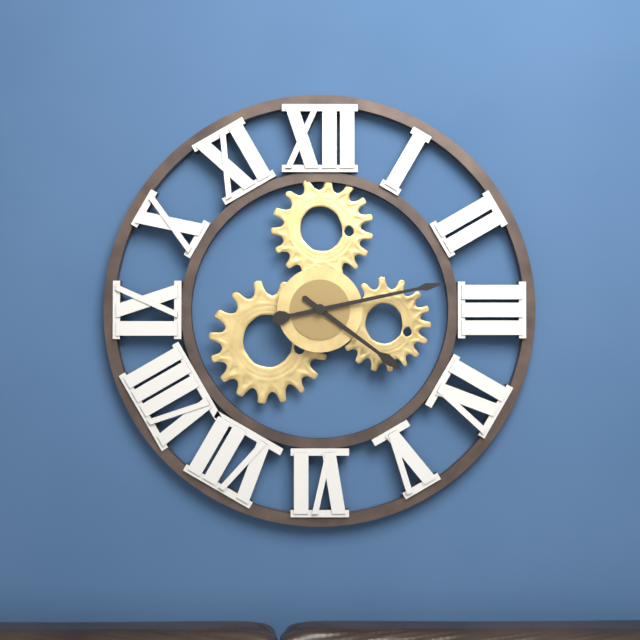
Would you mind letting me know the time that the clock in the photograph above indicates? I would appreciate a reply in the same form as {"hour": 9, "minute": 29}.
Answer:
{"hour": 4, "minute": 13}
